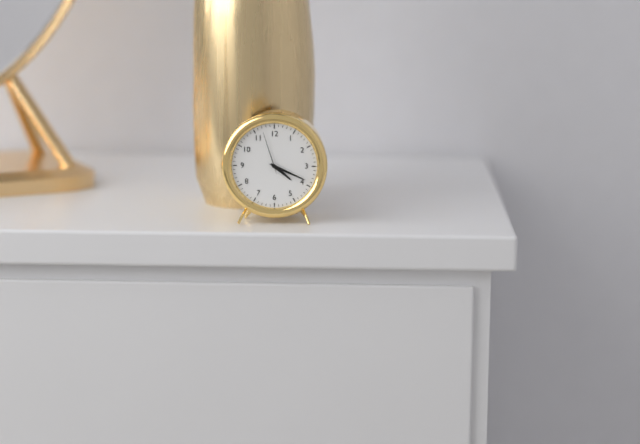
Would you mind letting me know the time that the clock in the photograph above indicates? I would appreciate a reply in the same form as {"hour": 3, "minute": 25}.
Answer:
{"hour": 4, "minute": 19}
